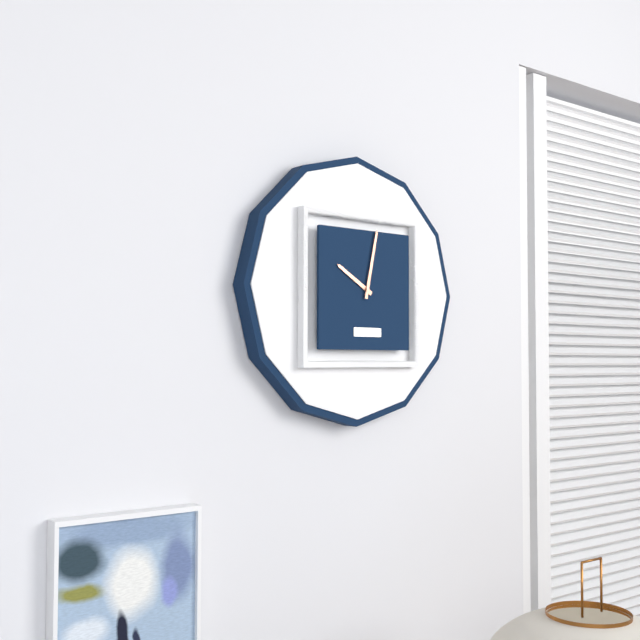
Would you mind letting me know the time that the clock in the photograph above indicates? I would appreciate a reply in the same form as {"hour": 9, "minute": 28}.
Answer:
{"hour": 10, "minute": 2}
